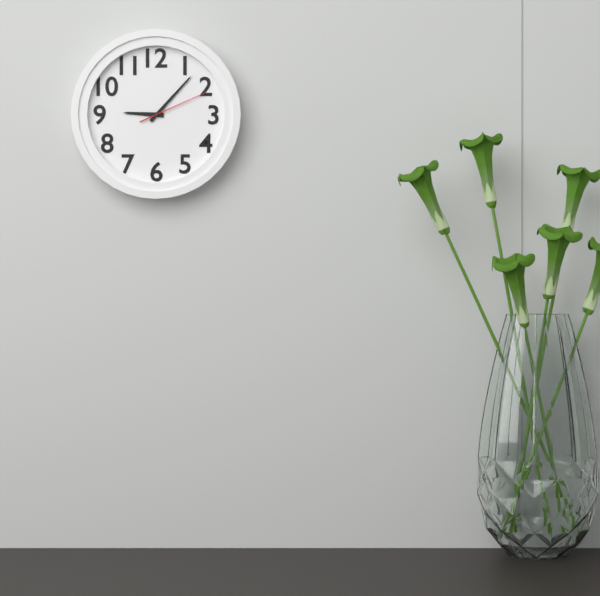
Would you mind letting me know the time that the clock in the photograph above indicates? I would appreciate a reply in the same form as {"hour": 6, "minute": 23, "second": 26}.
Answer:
{"hour": 9, "minute": 7, "second": 11}
